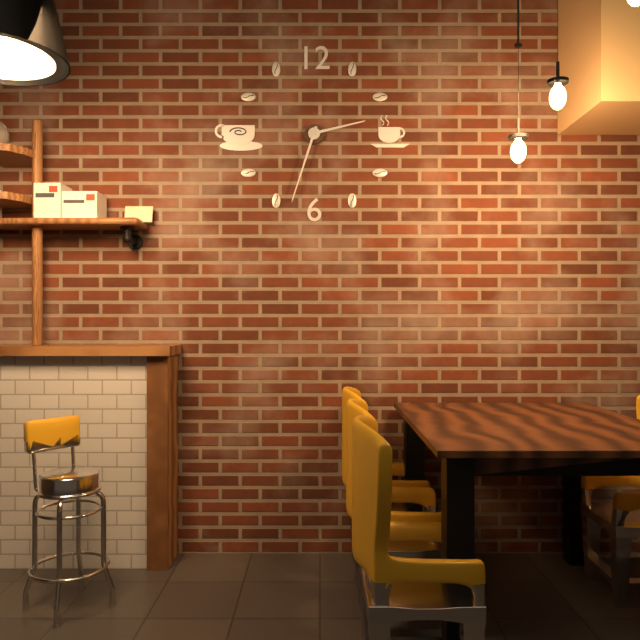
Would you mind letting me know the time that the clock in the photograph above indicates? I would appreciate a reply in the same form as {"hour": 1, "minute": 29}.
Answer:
{"hour": 2, "minute": 33}
